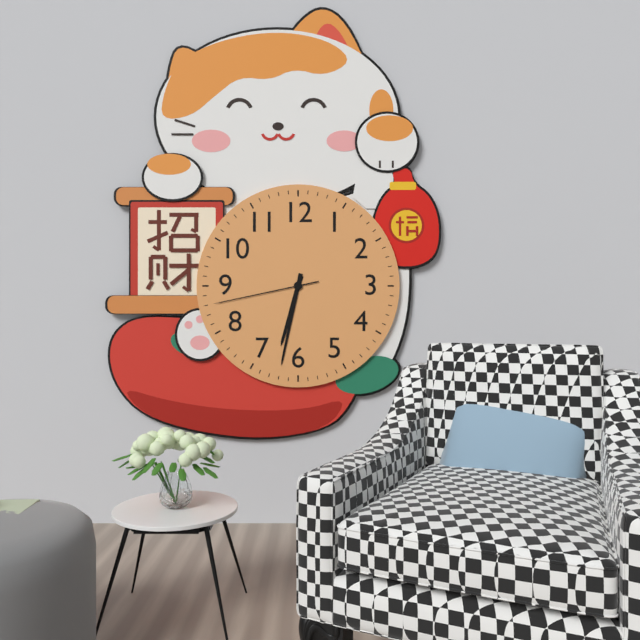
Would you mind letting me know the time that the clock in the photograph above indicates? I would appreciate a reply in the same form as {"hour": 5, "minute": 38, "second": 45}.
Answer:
{"hour": 6, "minute": 32, "second": 43}
